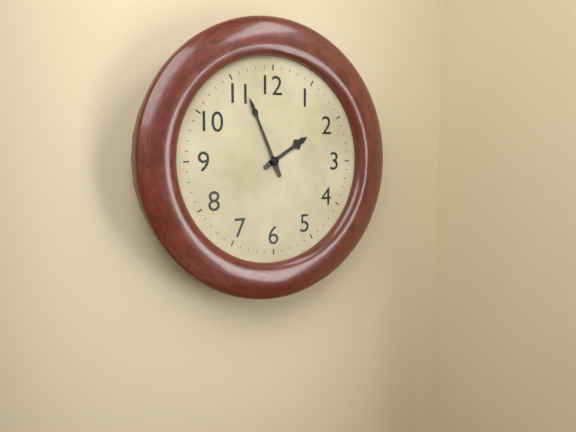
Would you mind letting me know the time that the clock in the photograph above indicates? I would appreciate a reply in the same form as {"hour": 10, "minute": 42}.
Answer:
{"hour": 1, "minute": 56}
